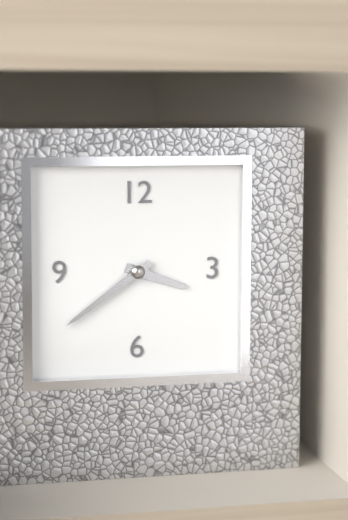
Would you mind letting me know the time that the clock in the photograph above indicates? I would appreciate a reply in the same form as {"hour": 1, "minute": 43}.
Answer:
{"hour": 3, "minute": 39}
